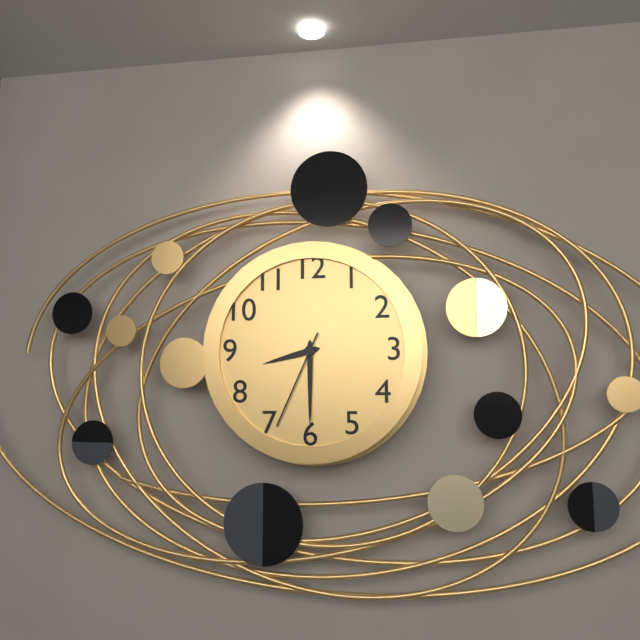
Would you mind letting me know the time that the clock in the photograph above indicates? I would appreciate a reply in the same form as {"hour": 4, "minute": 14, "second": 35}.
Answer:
{"hour": 8, "minute": 30, "second": 34}
